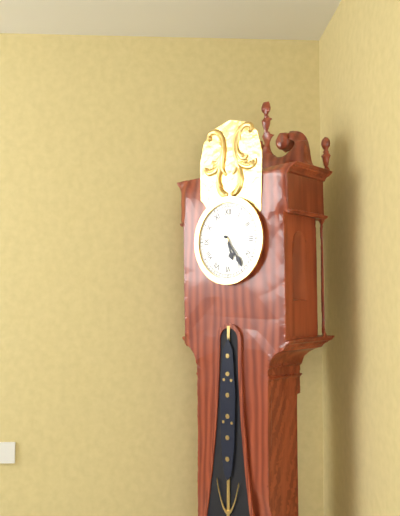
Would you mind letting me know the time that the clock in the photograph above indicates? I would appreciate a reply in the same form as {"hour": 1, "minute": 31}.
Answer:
{"hour": 5, "minute": 24}
